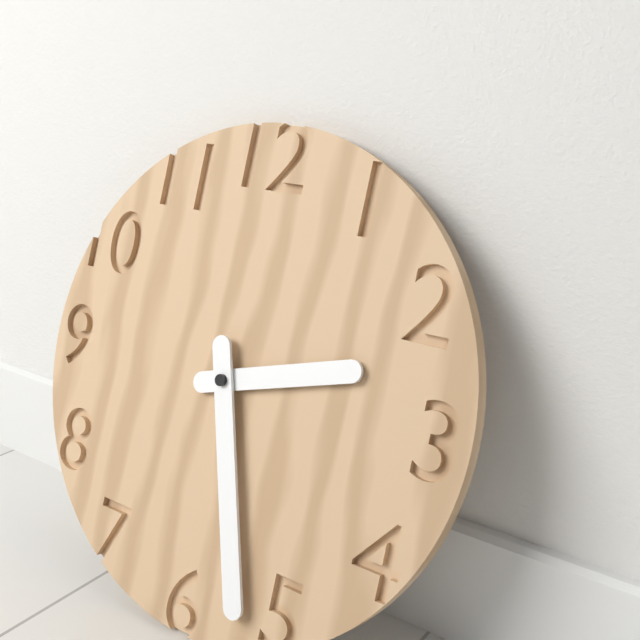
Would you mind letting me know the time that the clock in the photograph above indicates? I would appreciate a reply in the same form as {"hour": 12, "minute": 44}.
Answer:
{"hour": 2, "minute": 27}
